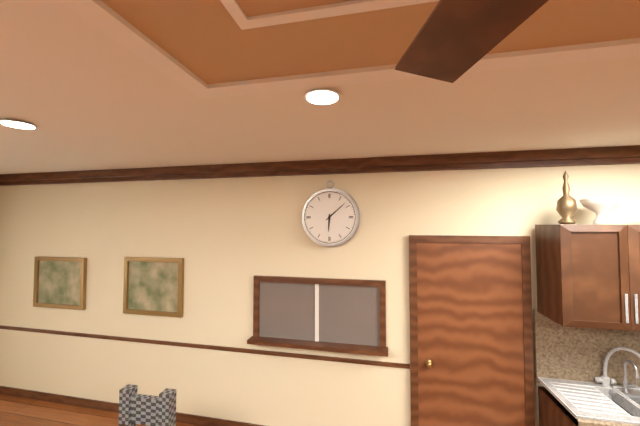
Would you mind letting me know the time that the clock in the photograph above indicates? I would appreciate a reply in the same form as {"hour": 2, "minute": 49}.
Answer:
{"hour": 6, "minute": 8}
